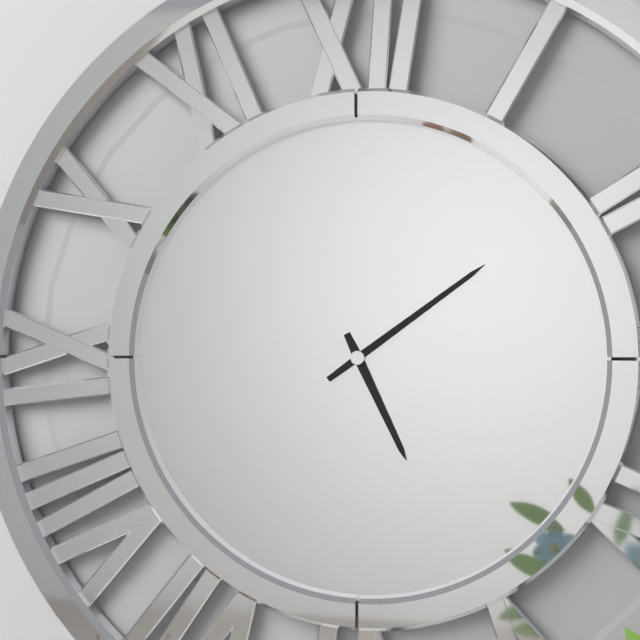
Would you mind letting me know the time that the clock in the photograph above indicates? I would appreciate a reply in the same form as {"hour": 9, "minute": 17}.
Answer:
{"hour": 5, "minute": 9}
